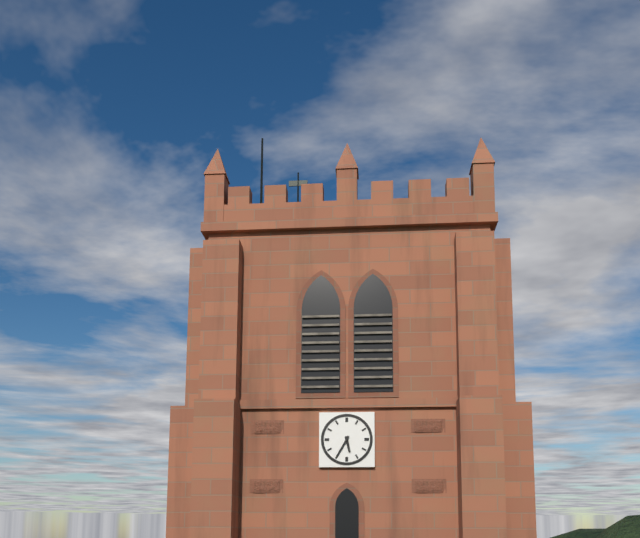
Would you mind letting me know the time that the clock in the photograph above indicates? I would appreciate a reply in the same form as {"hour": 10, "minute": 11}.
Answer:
{"hour": 5, "minute": 35}
